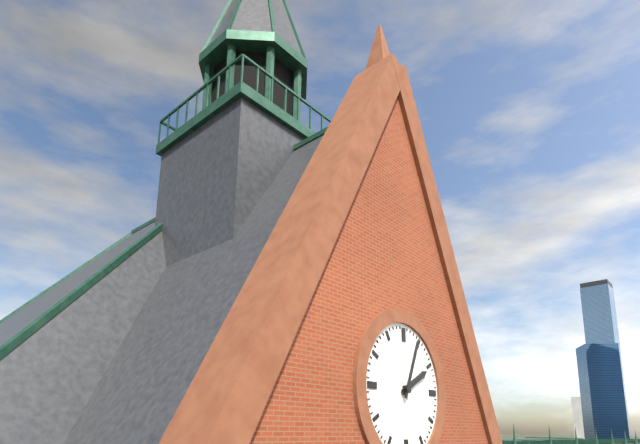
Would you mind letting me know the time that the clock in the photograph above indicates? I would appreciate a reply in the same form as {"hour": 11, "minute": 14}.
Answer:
{"hour": 2, "minute": 4}
